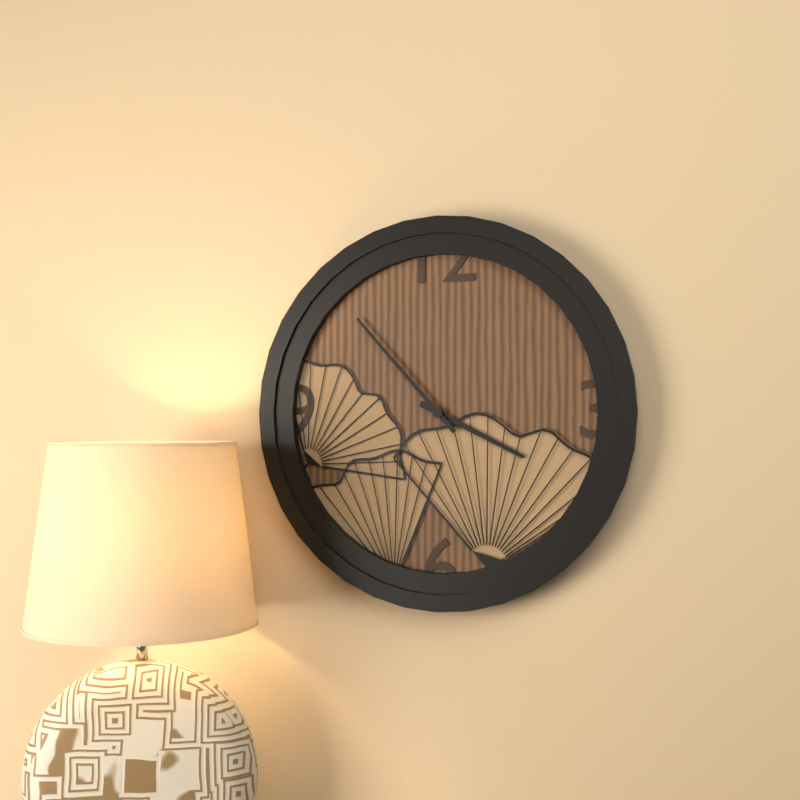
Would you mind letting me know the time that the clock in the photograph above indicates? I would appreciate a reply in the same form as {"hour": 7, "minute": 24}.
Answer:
{"hour": 3, "minute": 53}
